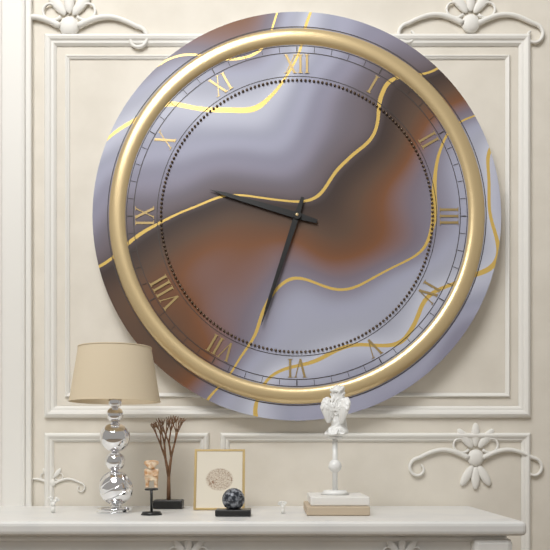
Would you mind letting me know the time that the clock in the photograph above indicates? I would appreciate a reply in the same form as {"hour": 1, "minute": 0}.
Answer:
{"hour": 9, "minute": 33}
